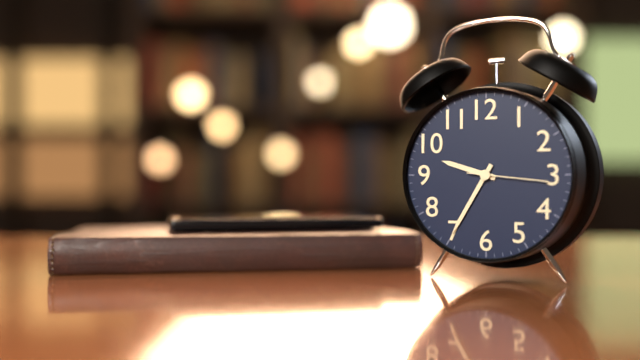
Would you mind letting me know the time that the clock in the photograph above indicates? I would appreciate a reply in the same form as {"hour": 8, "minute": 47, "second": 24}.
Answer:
{"hour": 9, "minute": 35, "second": 16}
